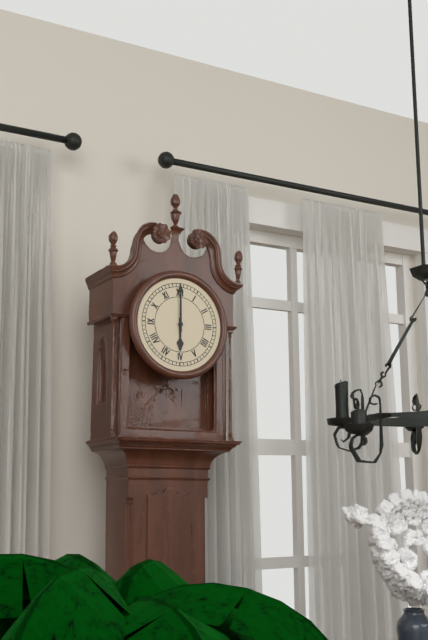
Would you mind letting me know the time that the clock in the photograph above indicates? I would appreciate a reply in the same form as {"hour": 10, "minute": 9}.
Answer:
{"hour": 6, "minute": 0}
